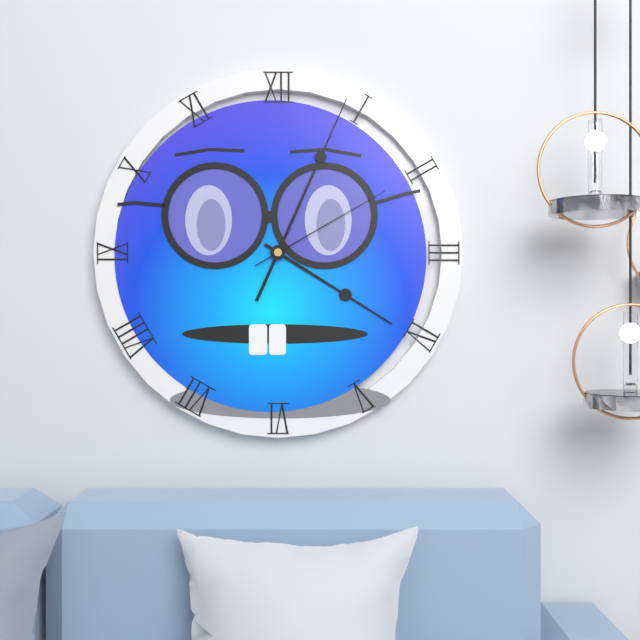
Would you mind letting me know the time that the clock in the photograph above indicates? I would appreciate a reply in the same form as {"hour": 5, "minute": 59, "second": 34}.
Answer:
{"hour": 4, "minute": 4, "second": 10}
